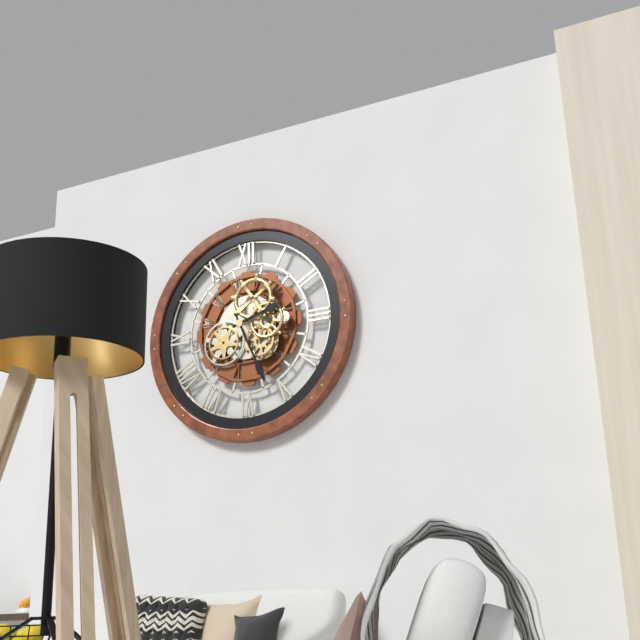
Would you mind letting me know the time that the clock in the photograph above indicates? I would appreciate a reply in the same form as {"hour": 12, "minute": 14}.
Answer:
{"hour": 2, "minute": 26}
